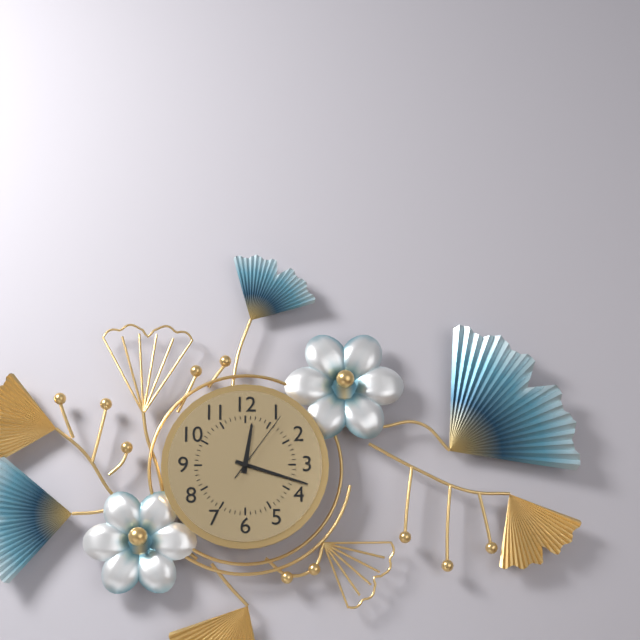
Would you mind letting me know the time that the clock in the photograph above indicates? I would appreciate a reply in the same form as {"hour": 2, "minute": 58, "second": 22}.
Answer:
{"hour": 12, "minute": 18, "second": 6}
